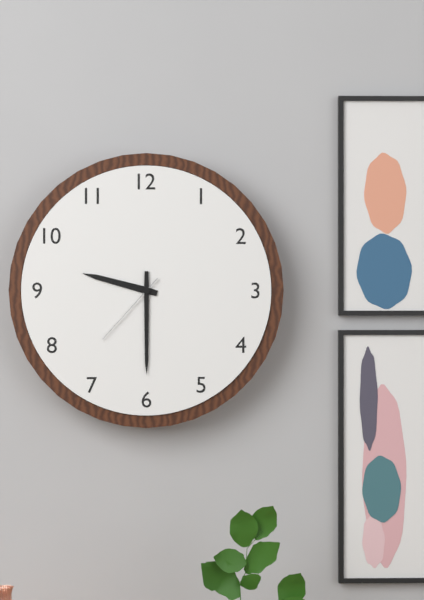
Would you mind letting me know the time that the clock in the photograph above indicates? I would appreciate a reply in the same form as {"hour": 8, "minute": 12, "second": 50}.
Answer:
{"hour": 9, "minute": 30, "second": 37}
